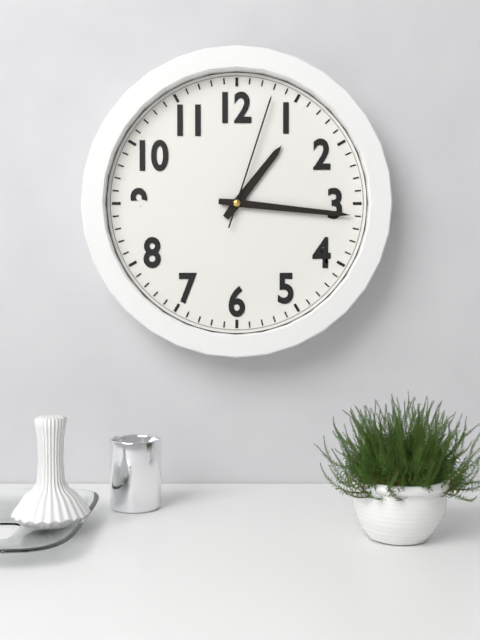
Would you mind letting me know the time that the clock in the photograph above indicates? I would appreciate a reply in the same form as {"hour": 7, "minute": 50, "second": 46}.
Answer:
{"hour": 1, "minute": 16, "second": 3}
